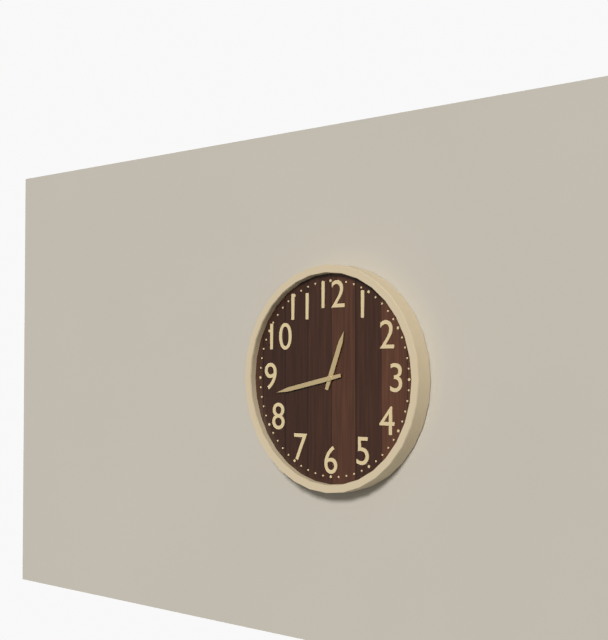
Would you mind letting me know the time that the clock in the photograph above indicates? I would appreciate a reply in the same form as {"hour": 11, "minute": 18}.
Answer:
{"hour": 12, "minute": 43}
